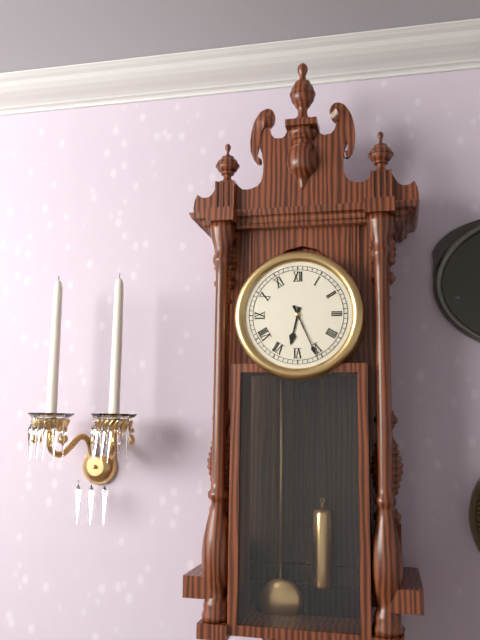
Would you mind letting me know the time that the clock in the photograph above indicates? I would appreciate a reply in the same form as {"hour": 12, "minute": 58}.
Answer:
{"hour": 6, "minute": 26}
